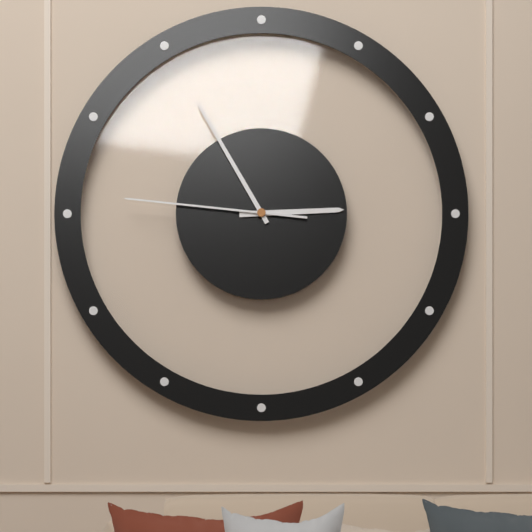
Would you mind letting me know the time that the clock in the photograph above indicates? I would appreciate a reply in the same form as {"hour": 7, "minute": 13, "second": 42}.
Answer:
{"hour": 2, "minute": 55, "second": 46}
